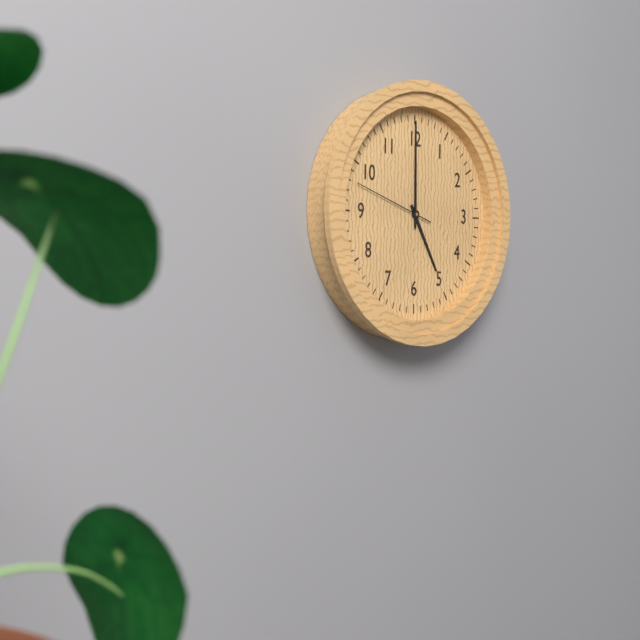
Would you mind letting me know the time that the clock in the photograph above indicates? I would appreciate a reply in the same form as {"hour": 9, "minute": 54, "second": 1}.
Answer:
{"hour": 5, "minute": 0, "second": 48}
